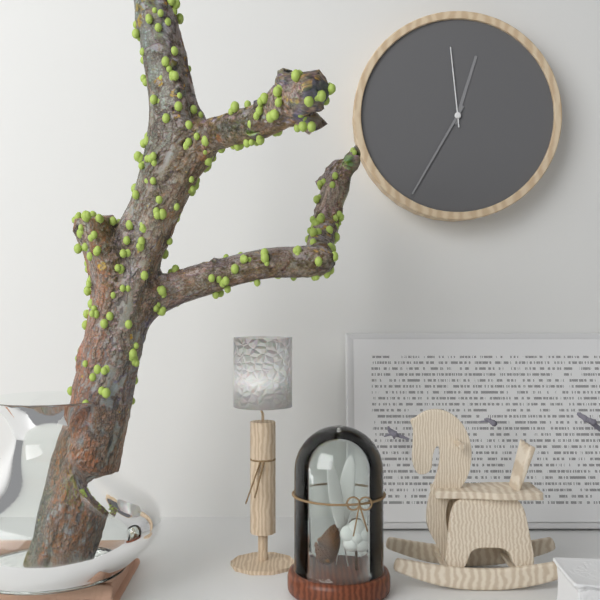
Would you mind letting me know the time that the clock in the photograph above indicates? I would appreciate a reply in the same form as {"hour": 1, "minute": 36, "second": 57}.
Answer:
{"hour": 12, "minute": 35, "second": 59}
